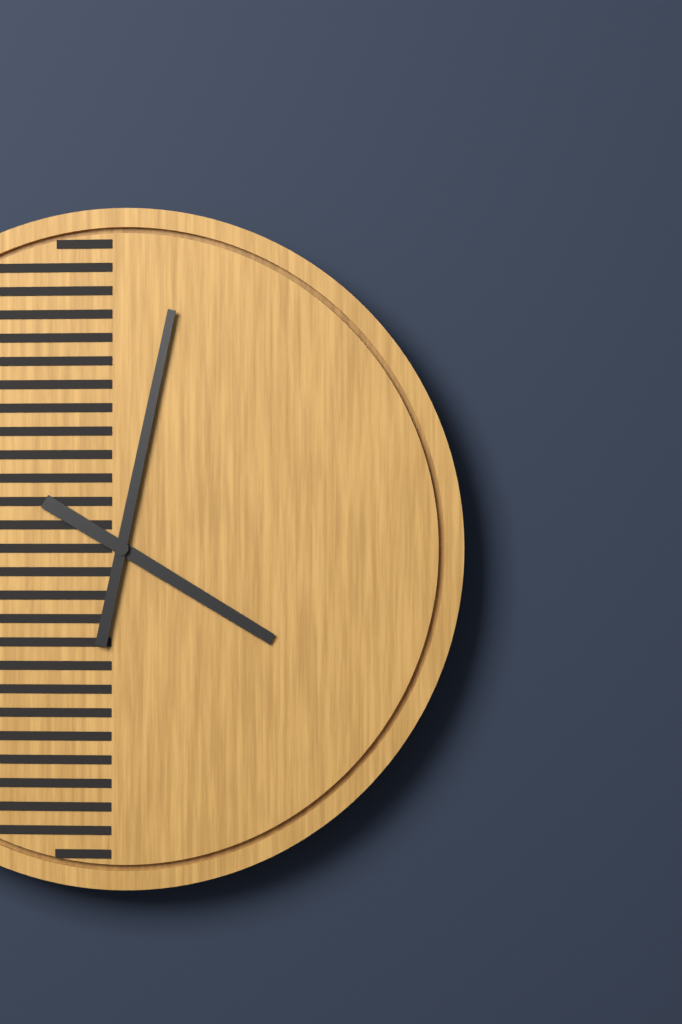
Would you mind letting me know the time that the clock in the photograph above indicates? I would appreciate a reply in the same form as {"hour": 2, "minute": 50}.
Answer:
{"hour": 4, "minute": 2}
